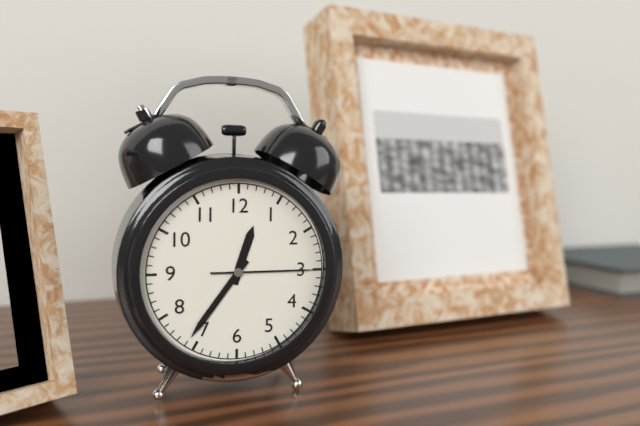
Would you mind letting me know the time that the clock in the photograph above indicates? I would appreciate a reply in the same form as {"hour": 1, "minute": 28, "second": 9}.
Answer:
{"hour": 12, "minute": 36, "second": 15}
